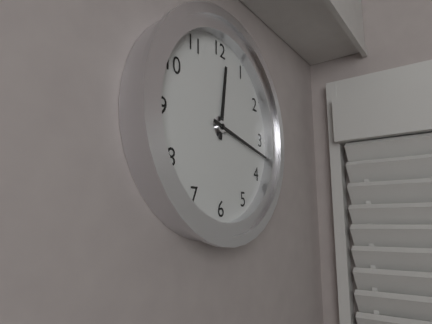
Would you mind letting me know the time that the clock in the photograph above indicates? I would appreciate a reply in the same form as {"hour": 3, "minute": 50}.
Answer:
{"hour": 12, "minute": 17}
